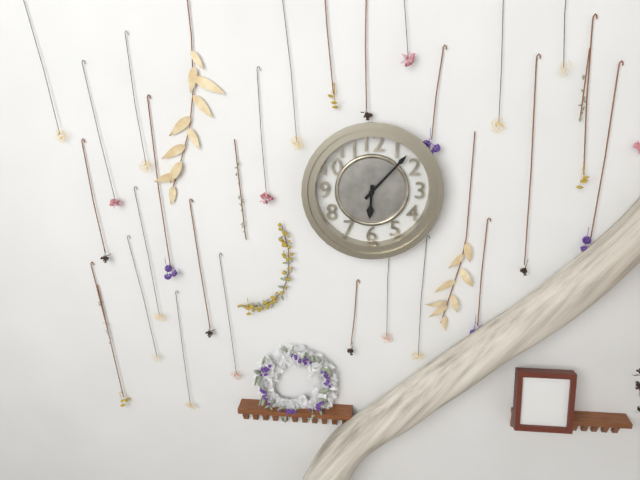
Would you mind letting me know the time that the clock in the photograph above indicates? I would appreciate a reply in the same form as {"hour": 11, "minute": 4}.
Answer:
{"hour": 6, "minute": 7}
